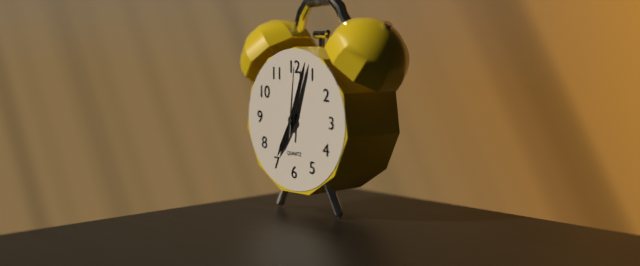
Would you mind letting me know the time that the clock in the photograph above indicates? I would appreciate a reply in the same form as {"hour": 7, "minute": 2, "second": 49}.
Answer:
{"hour": 7, "minute": 3, "second": 1}
